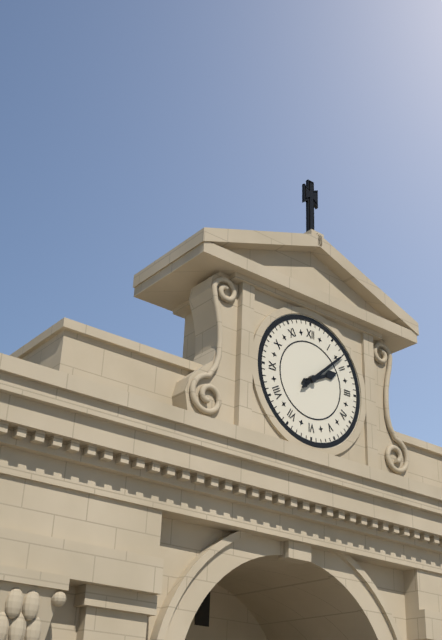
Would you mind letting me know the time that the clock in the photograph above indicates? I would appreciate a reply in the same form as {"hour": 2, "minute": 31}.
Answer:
{"hour": 2, "minute": 8}
